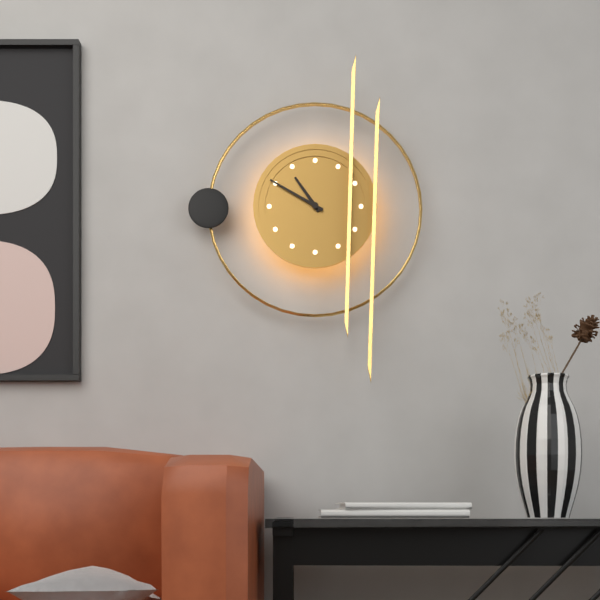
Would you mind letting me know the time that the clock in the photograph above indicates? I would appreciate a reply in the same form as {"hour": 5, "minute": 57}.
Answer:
{"hour": 10, "minute": 50}
